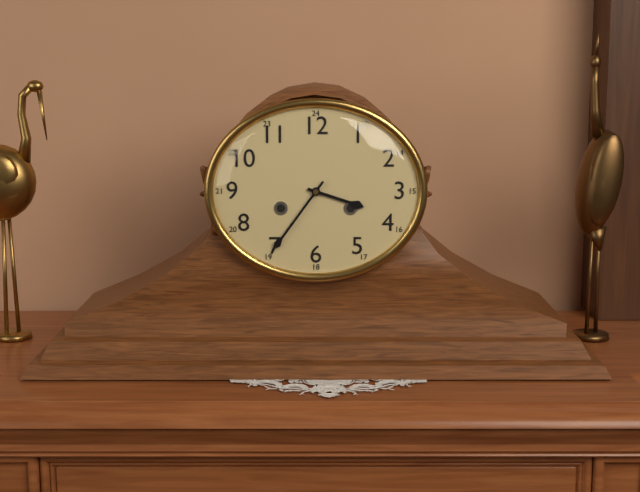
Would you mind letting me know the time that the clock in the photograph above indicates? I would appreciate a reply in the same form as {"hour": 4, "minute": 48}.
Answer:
{"hour": 3, "minute": 36}
